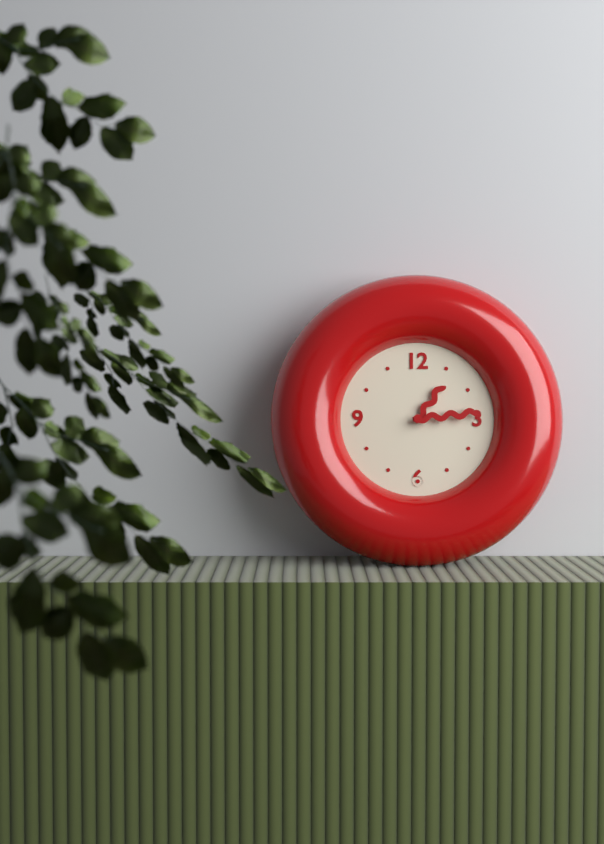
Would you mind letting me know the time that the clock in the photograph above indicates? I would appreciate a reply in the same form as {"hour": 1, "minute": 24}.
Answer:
{"hour": 1, "minute": 14}
